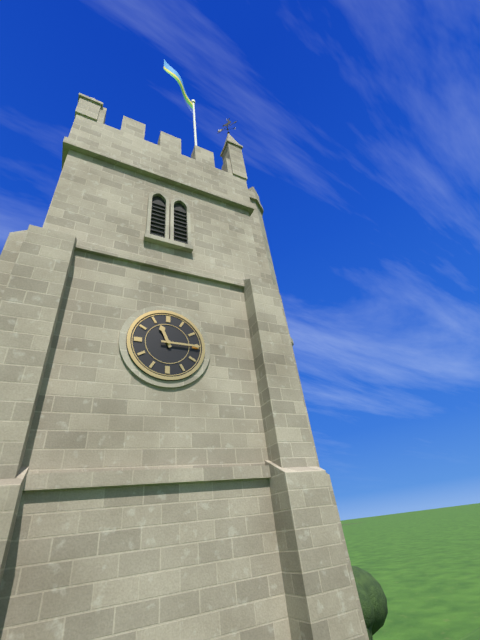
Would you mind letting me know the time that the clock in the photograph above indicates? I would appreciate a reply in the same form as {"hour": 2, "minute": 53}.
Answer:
{"hour": 11, "minute": 15}
